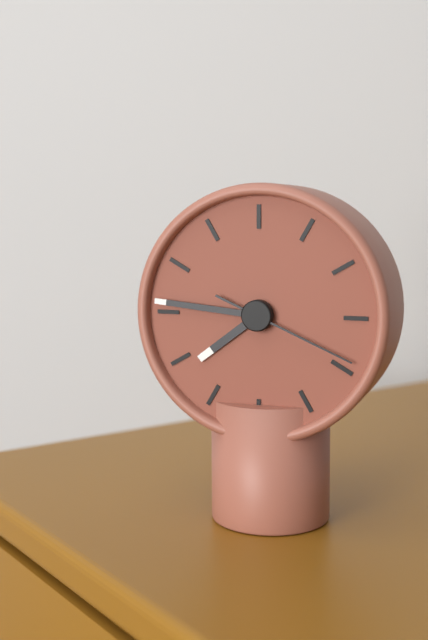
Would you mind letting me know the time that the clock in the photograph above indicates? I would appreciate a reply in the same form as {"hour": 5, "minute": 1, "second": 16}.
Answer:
{"hour": 7, "minute": 46, "second": 19}
